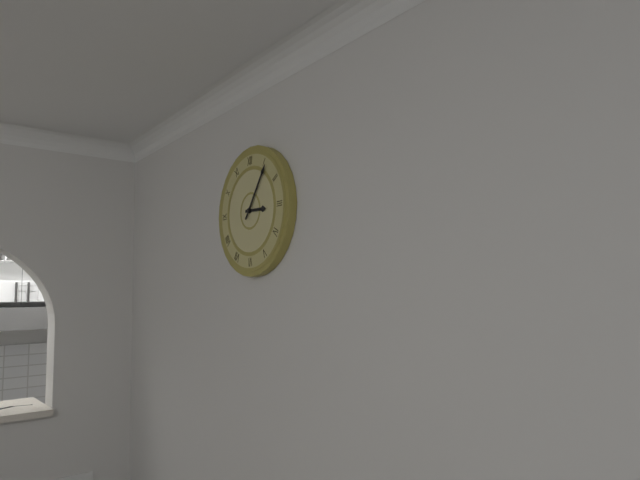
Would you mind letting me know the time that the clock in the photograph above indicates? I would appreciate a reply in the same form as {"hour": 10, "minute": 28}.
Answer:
{"hour": 3, "minute": 6}
